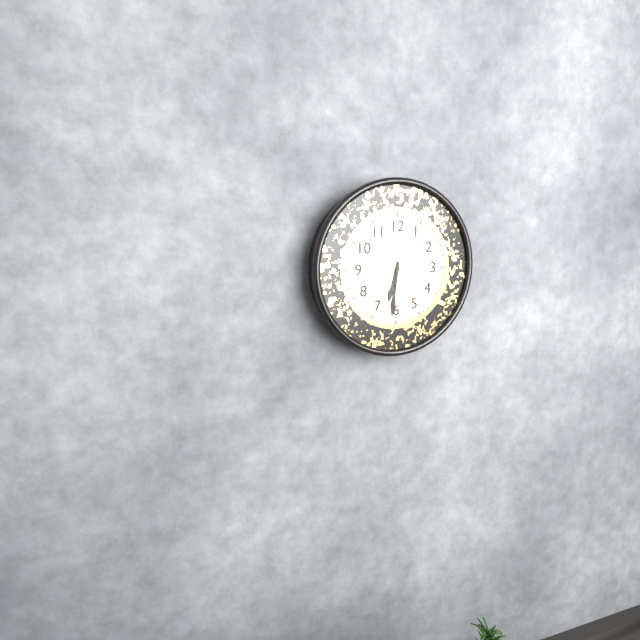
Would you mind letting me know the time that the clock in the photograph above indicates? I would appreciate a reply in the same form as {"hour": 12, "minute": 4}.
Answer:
{"hour": 6, "minute": 31}
